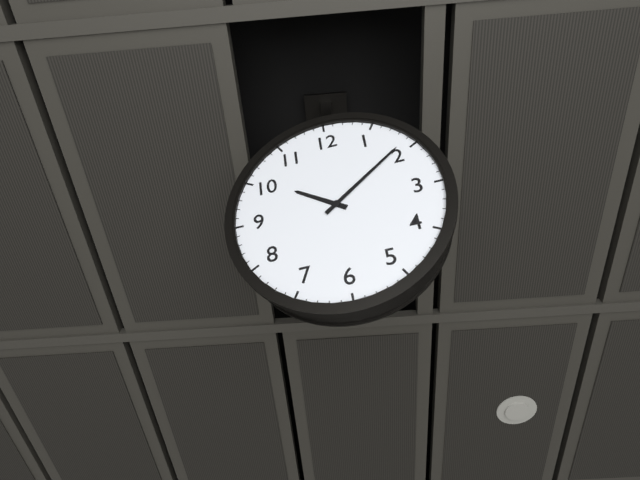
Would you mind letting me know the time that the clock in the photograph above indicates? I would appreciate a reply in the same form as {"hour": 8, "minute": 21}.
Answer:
{"hour": 10, "minute": 9}
